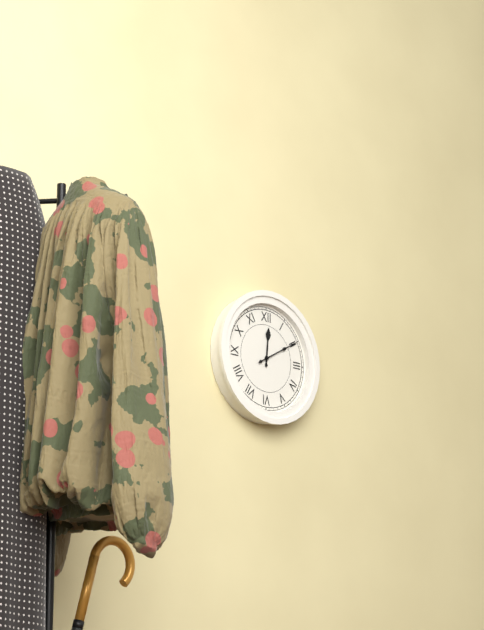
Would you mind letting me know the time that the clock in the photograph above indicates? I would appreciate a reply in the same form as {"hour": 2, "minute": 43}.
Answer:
{"hour": 12, "minute": 10}
